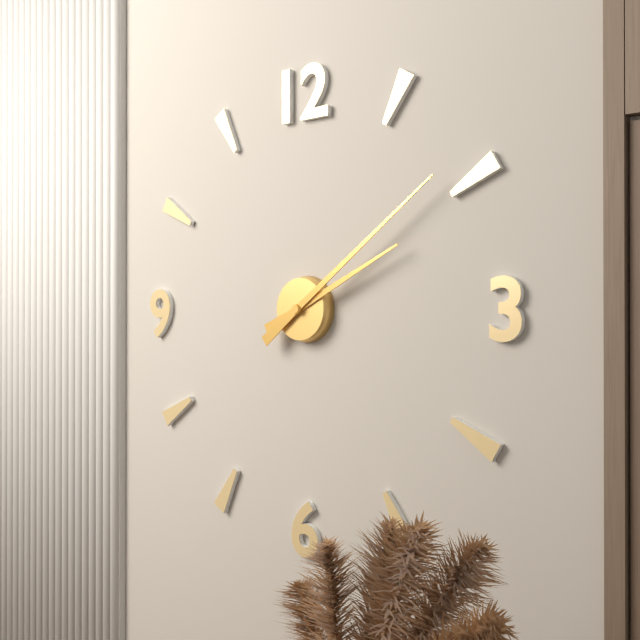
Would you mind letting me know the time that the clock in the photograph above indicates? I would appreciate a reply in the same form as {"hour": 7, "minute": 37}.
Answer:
{"hour": 2, "minute": 9}
